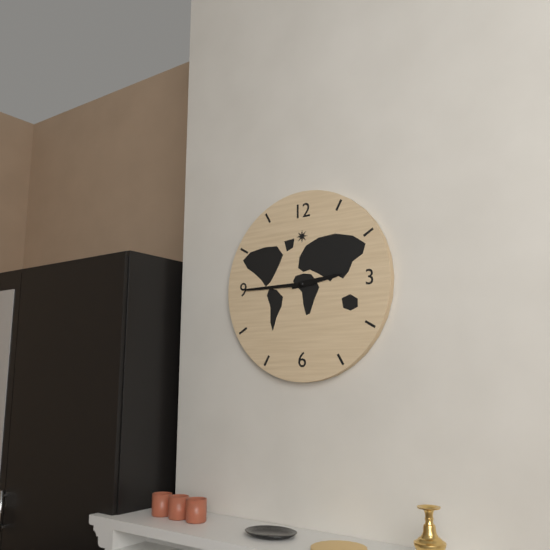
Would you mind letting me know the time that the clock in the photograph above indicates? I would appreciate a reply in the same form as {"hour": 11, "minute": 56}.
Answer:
{"hour": 2, "minute": 45}
